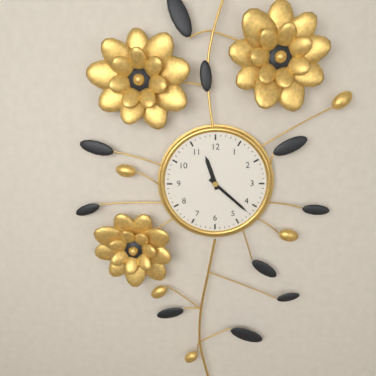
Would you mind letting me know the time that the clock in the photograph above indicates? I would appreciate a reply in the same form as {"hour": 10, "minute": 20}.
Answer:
{"hour": 11, "minute": 22}
